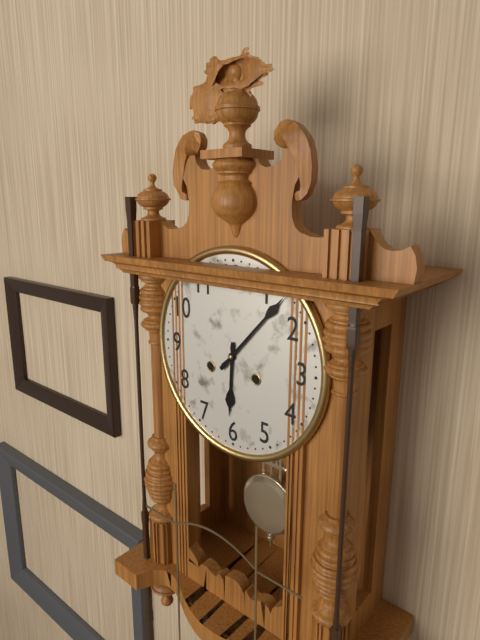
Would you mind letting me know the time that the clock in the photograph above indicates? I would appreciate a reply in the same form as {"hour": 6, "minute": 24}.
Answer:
{"hour": 6, "minute": 7}
